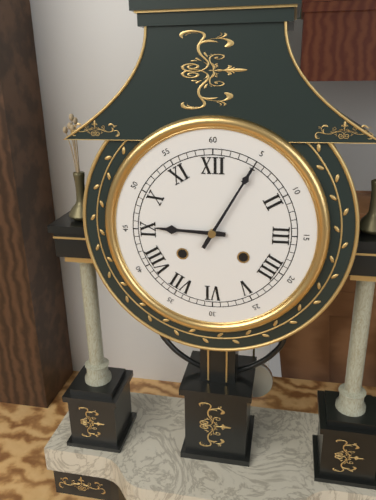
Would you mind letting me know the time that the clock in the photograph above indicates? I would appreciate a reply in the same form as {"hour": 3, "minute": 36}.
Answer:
{"hour": 9, "minute": 5}
